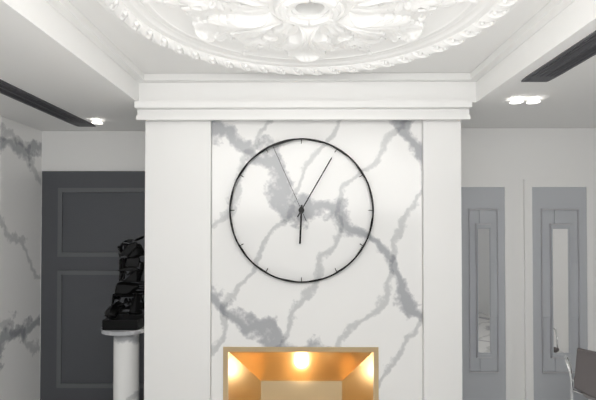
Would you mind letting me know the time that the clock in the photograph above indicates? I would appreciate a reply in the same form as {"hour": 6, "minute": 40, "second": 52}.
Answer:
{"hour": 6, "minute": 5, "second": 56}
